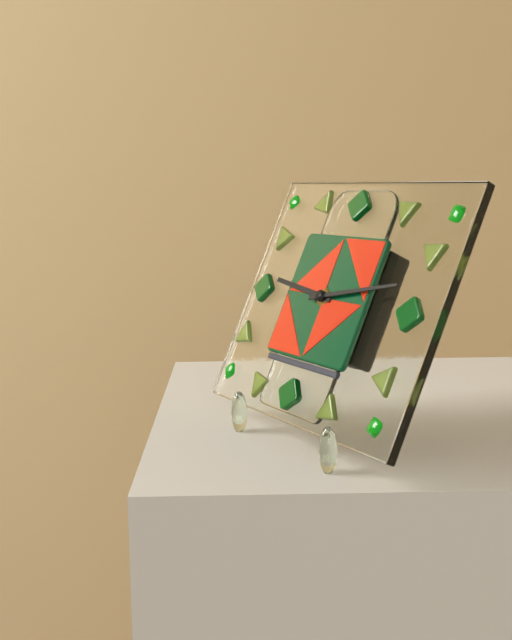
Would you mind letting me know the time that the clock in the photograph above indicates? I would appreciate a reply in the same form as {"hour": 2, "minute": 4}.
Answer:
{"hour": 9, "minute": 13}
